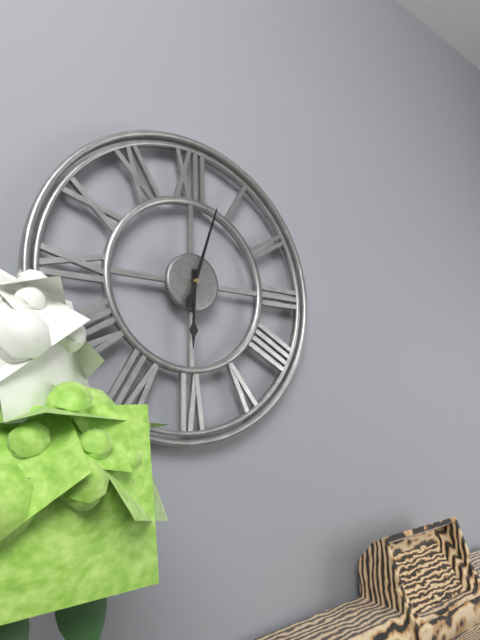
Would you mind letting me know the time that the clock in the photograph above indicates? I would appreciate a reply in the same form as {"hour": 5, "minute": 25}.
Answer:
{"hour": 6, "minute": 3}
